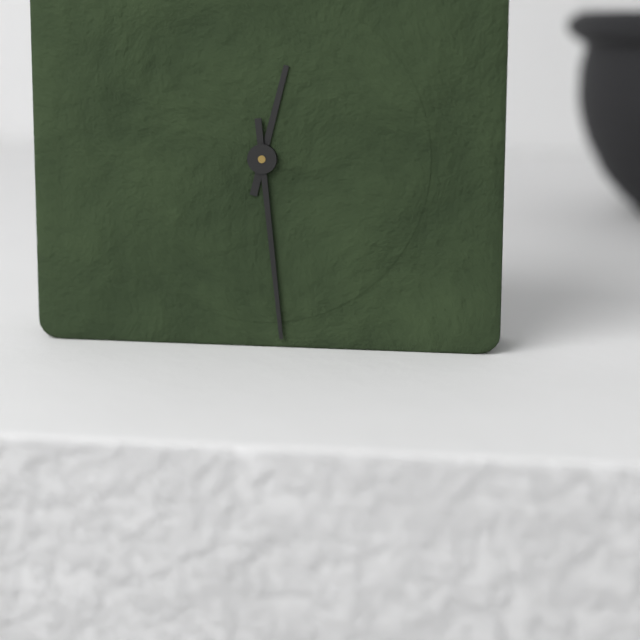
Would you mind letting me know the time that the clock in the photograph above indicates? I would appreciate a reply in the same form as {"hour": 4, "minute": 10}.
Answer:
{"hour": 12, "minute": 29}
